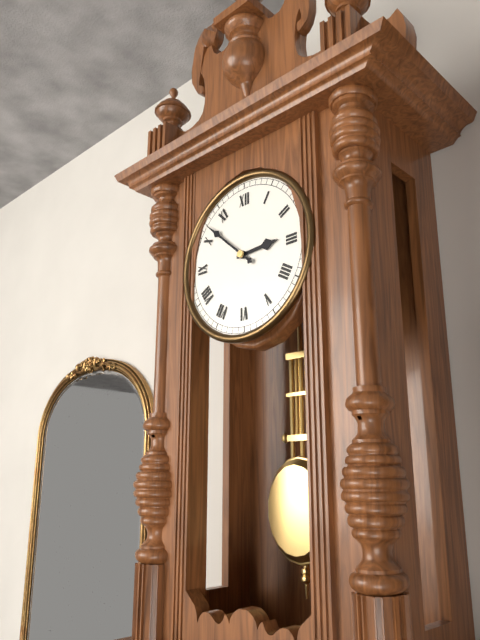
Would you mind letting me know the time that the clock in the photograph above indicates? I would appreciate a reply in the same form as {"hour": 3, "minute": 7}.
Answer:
{"hour": 2, "minute": 52}
